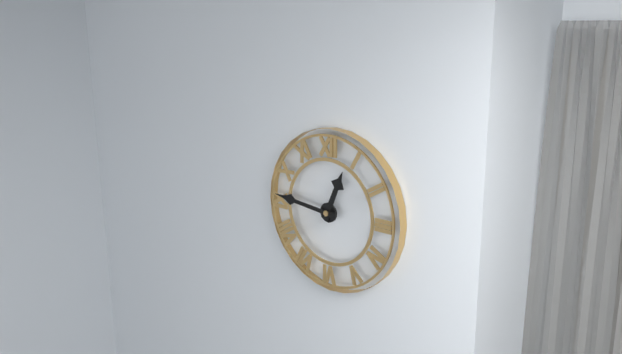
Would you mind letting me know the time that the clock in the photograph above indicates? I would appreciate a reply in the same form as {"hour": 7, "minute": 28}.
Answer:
{"hour": 12, "minute": 46}
